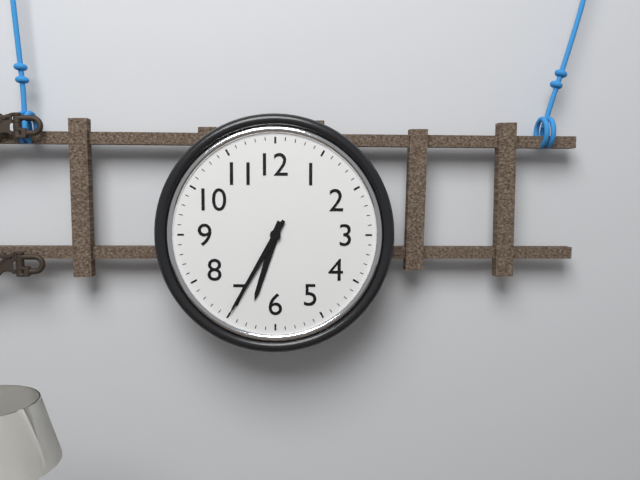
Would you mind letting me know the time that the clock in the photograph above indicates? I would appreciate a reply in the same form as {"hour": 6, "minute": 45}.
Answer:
{"hour": 6, "minute": 35}
